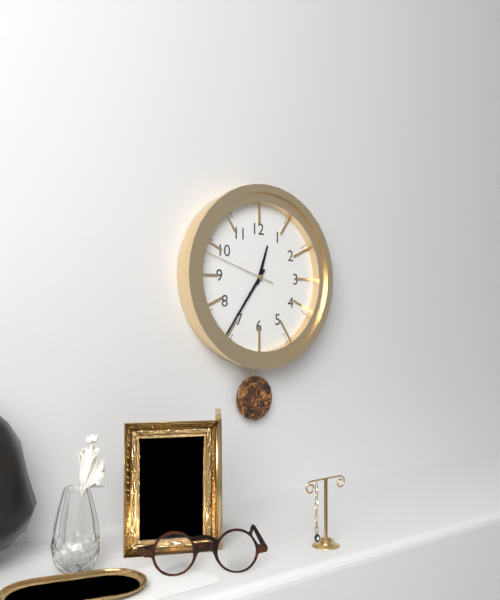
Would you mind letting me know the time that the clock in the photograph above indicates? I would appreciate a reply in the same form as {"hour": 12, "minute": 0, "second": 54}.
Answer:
{"hour": 12, "minute": 36, "second": 48}
